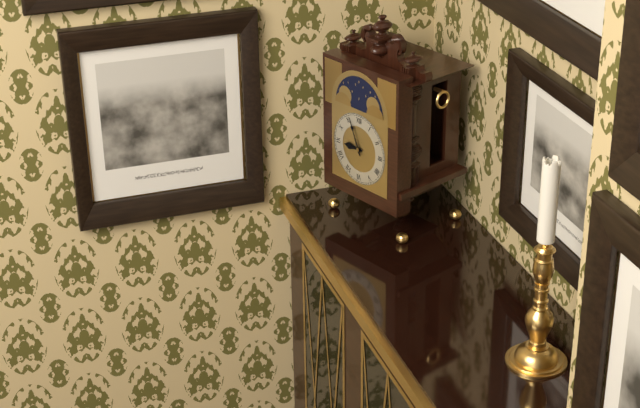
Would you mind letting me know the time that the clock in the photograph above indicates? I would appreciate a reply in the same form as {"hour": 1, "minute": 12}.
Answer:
{"hour": 8, "minute": 56}
